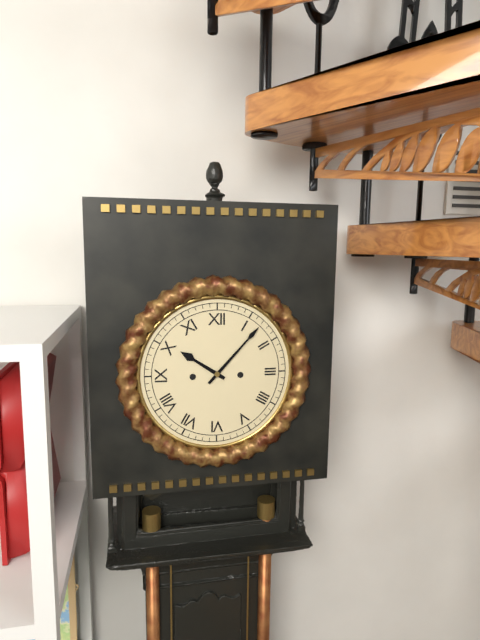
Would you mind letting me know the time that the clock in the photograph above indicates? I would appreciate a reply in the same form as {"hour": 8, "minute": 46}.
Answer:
{"hour": 10, "minute": 7}
